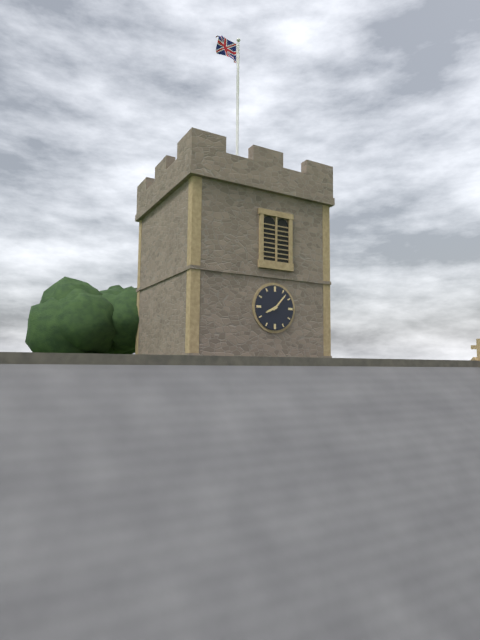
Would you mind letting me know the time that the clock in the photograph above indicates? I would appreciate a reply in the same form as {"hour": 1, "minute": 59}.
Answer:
{"hour": 8, "minute": 7}
